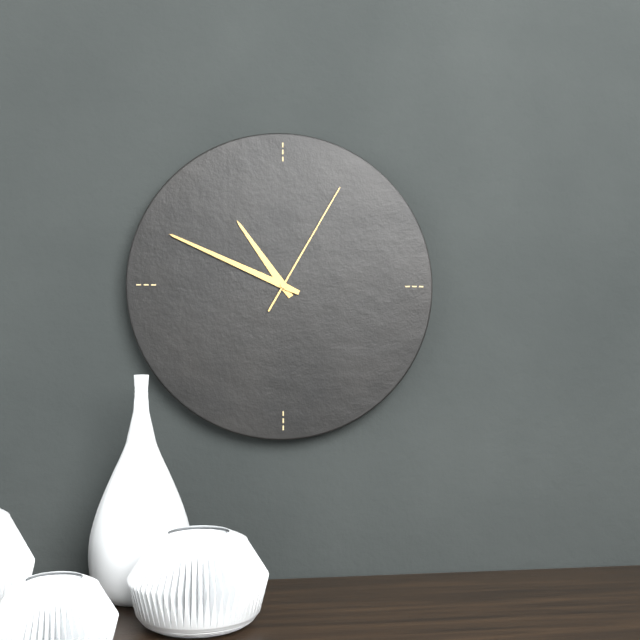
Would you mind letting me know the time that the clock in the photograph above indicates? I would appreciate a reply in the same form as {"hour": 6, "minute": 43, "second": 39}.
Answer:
{"hour": 10, "minute": 49, "second": 5}
